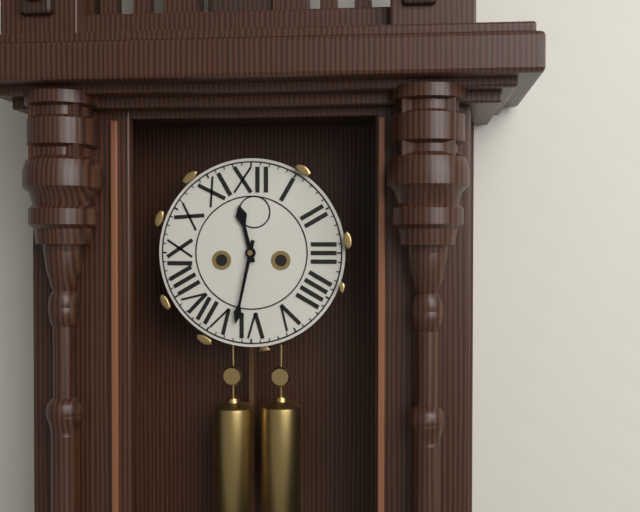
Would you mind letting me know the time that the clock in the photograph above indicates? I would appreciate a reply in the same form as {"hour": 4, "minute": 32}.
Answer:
{"hour": 11, "minute": 32}
